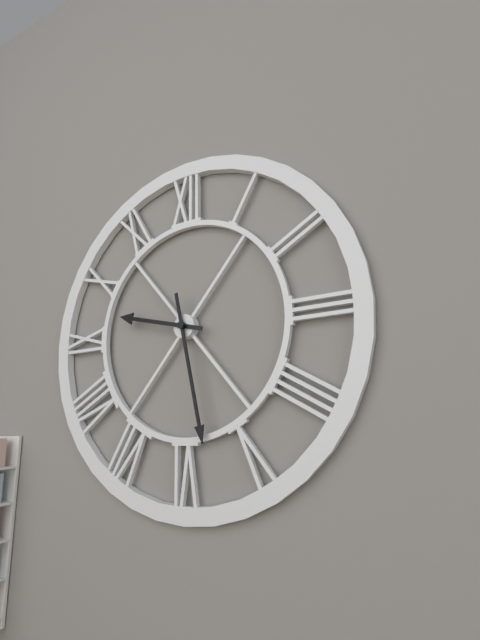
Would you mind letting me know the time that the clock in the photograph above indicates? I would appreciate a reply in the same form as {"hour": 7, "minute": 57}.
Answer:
{"hour": 9, "minute": 28}
